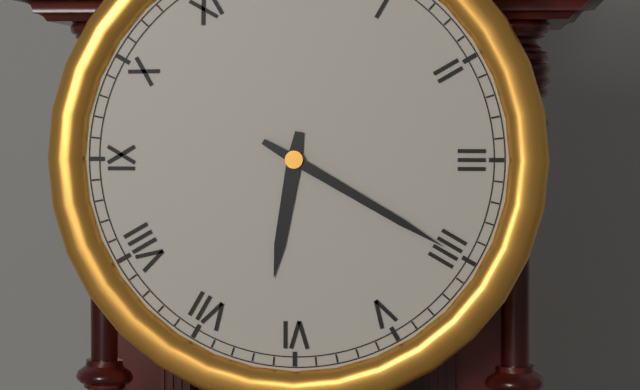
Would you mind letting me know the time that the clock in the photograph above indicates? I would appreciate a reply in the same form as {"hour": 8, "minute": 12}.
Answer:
{"hour": 6, "minute": 20}
